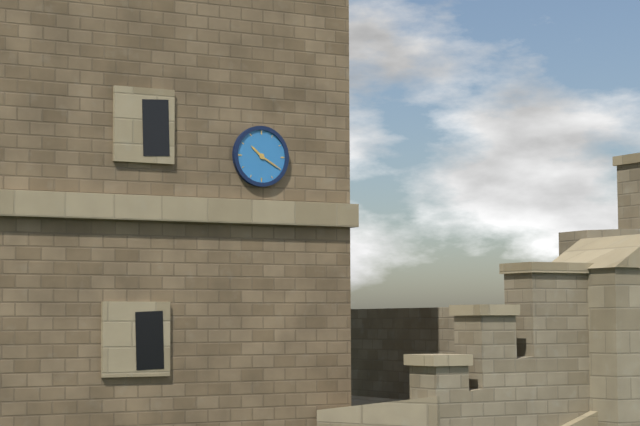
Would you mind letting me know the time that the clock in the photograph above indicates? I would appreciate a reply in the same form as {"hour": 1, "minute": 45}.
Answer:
{"hour": 10, "minute": 20}
